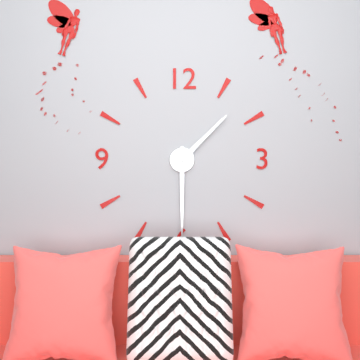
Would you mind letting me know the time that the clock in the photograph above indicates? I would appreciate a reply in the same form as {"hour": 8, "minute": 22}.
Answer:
{"hour": 1, "minute": 30}
